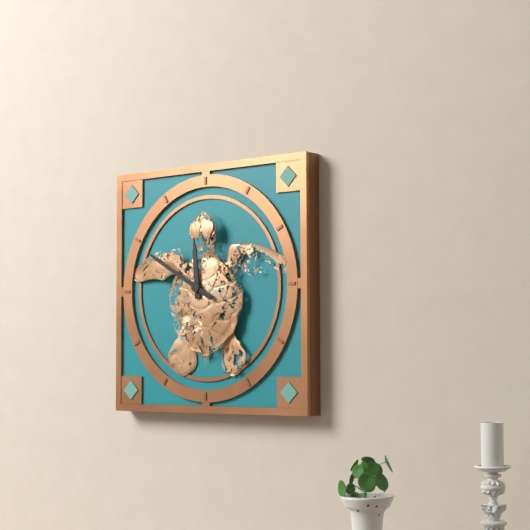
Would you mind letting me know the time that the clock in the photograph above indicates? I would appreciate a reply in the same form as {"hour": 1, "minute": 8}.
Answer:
{"hour": 11, "minute": 50}
